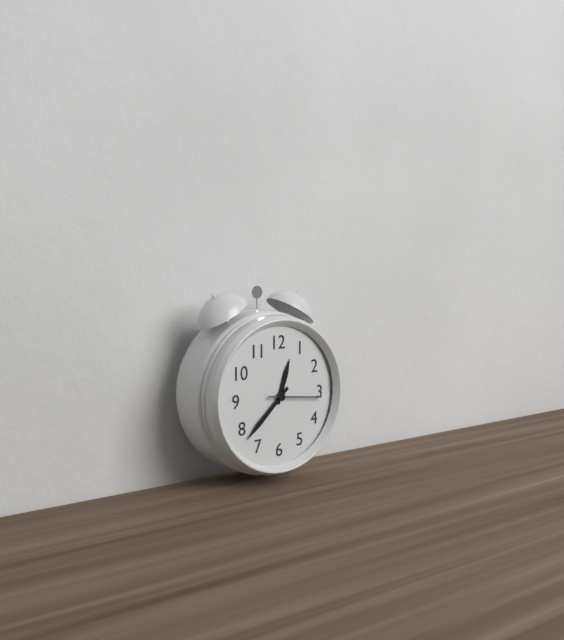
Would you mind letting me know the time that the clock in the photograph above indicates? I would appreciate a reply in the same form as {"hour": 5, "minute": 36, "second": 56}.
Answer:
{"hour": 12, "minute": 38, "second": 16}
